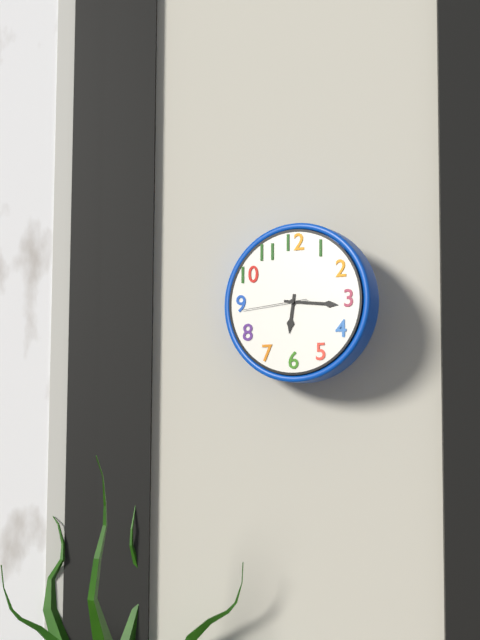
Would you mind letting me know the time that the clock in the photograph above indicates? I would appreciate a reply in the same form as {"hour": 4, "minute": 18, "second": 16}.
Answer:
{"hour": 6, "minute": 16, "second": 44}
